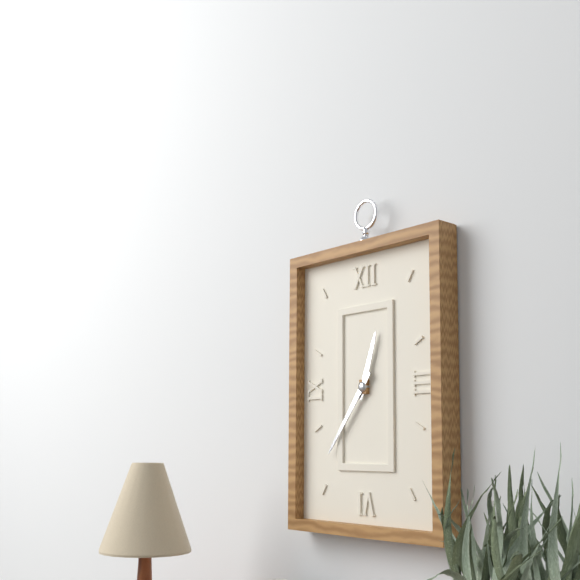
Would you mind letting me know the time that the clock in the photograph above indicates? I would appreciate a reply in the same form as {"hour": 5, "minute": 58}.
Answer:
{"hour": 12, "minute": 36}
